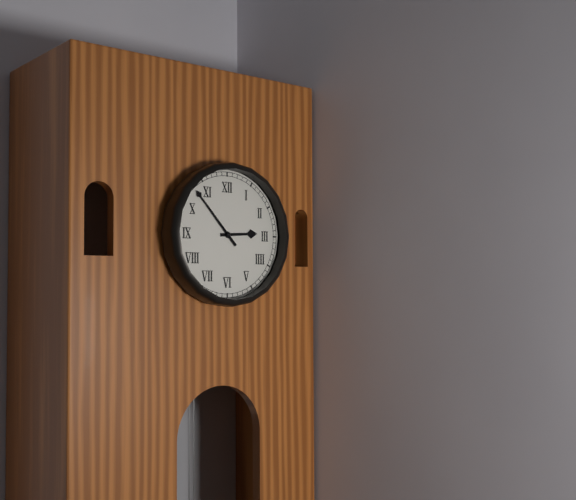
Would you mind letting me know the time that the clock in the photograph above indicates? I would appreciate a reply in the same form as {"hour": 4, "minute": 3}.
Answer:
{"hour": 2, "minute": 53}
